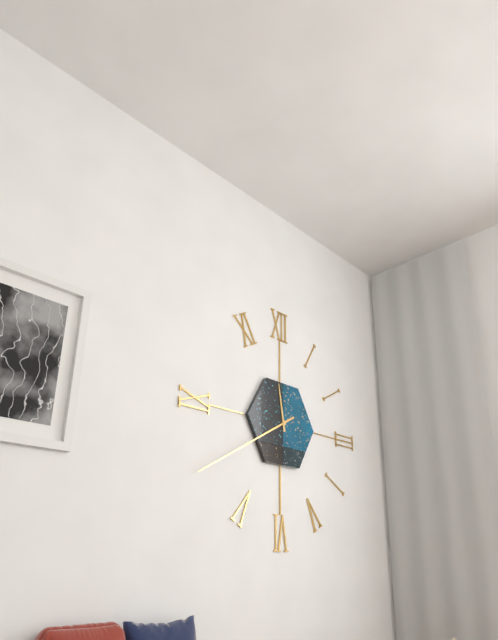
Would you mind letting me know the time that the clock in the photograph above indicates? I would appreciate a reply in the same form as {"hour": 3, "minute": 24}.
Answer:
{"hour": 11, "minute": 40}
